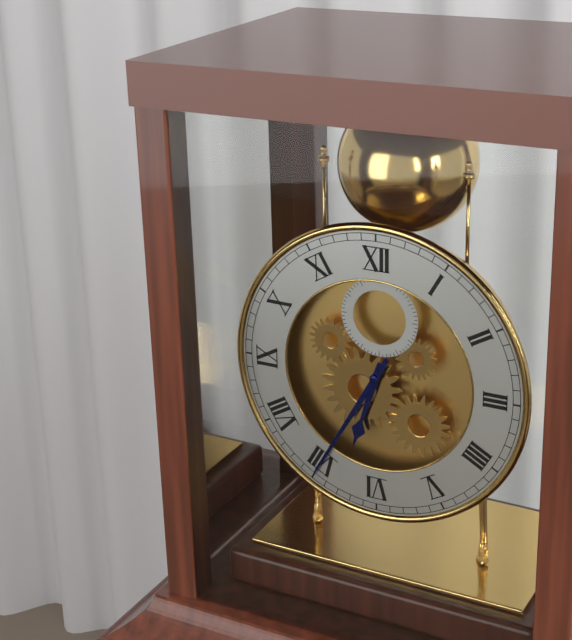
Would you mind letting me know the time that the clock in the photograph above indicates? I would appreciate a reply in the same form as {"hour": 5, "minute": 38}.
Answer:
{"hour": 6, "minute": 35}
